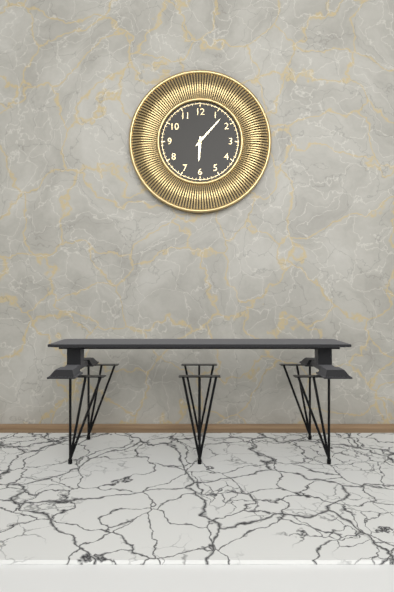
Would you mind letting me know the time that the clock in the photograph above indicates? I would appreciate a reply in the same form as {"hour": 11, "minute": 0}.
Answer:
{"hour": 6, "minute": 7}
